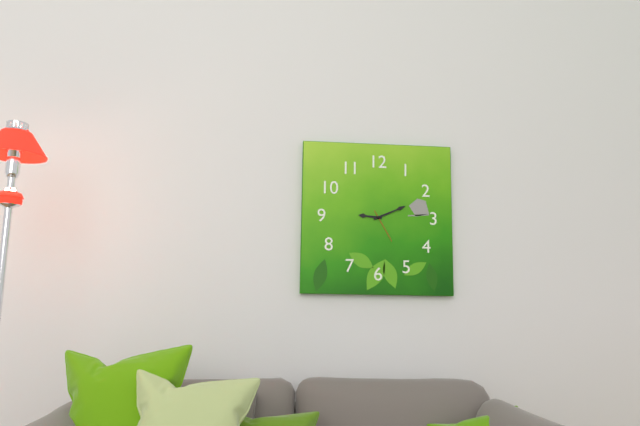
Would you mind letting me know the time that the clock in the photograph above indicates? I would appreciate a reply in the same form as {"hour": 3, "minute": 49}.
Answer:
{"hour": 9, "minute": 11}
